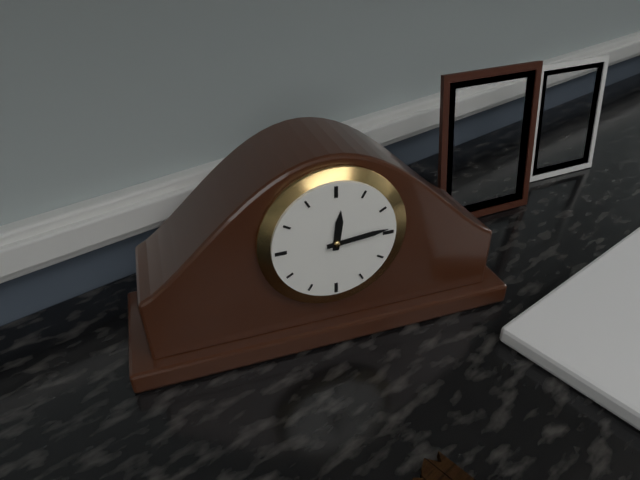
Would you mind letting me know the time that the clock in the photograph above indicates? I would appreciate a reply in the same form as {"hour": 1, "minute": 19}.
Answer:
{"hour": 12, "minute": 14}
